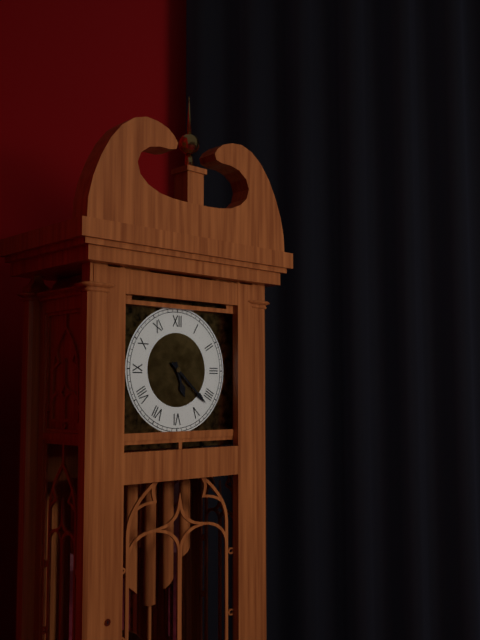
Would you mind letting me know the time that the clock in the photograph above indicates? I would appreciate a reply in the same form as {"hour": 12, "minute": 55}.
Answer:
{"hour": 5, "minute": 22}
